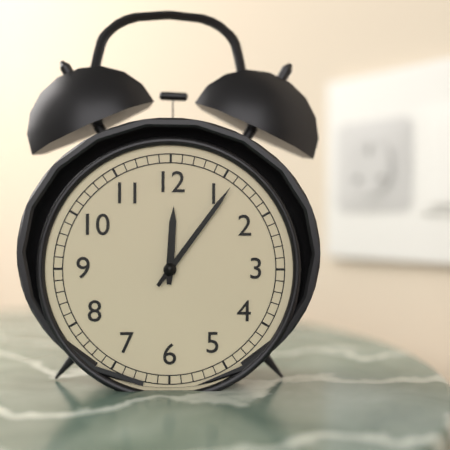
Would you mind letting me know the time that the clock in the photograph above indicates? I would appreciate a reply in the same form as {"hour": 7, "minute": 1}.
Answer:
{"hour": 12, "minute": 6}
